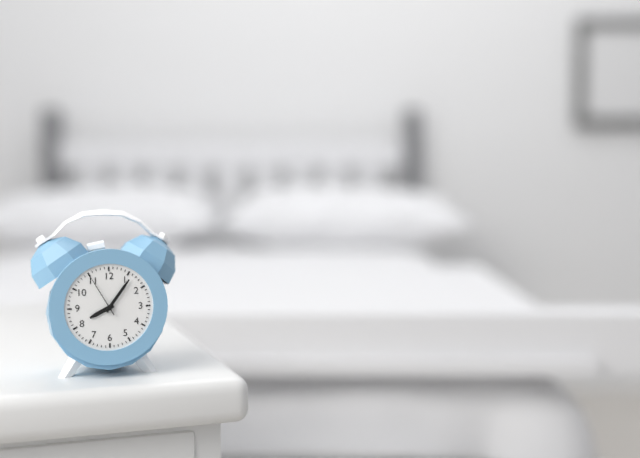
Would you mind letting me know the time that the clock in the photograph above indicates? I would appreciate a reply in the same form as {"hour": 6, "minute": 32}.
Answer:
{"hour": 8, "minute": 6}
